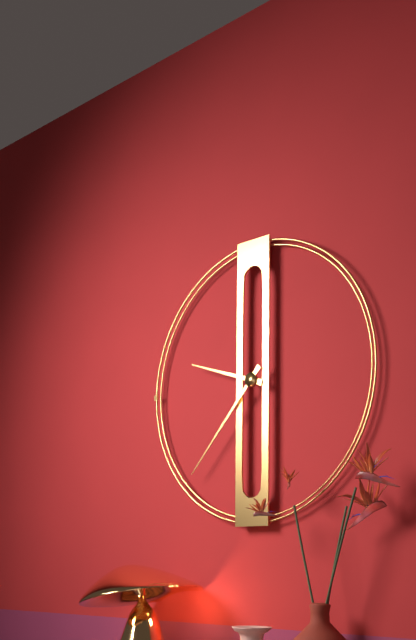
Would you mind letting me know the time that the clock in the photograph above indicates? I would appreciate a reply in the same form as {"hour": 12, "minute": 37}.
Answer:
{"hour": 9, "minute": 37}
